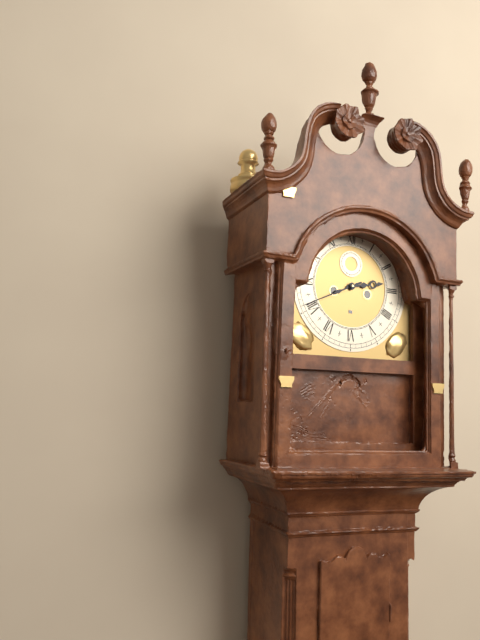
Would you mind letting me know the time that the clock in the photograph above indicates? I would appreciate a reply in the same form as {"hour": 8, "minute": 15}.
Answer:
{"hour": 2, "minute": 41}
